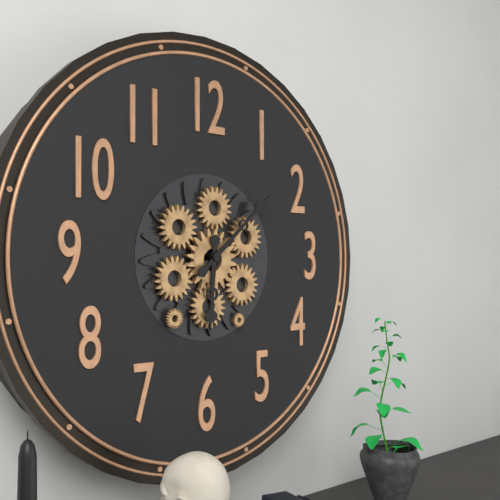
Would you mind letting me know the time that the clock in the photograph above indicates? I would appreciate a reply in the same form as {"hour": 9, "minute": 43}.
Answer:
{"hour": 6, "minute": 8}
